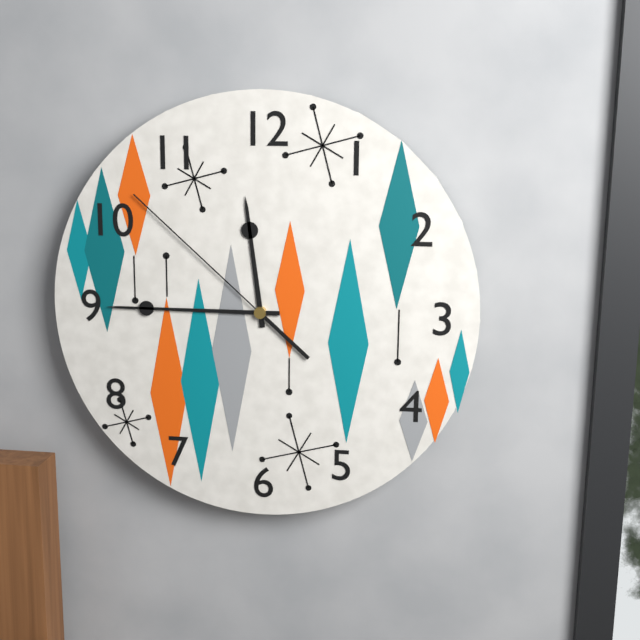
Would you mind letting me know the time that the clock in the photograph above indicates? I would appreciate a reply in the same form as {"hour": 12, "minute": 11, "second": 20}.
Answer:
{"hour": 11, "minute": 45, "second": 52}
